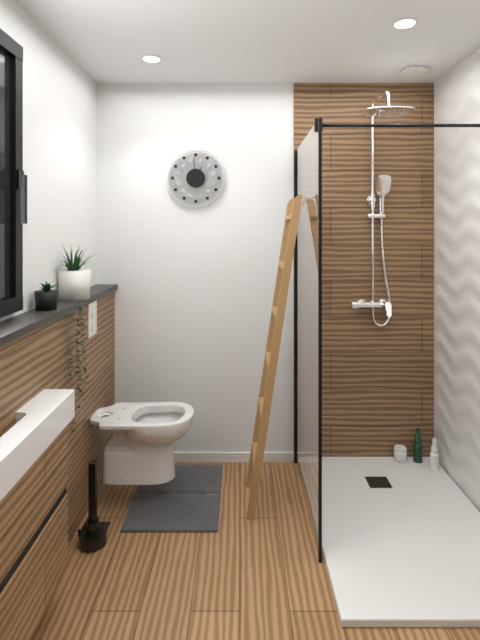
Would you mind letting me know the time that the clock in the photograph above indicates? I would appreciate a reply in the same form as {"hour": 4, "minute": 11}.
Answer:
{"hour": 12, "minute": 59}
